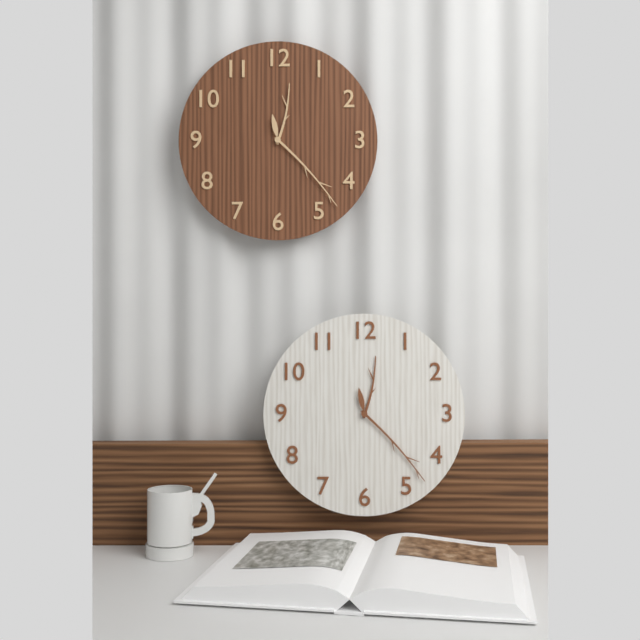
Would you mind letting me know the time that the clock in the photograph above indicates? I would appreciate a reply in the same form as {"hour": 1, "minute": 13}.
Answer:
{"hour": 12, "minute": 23}
